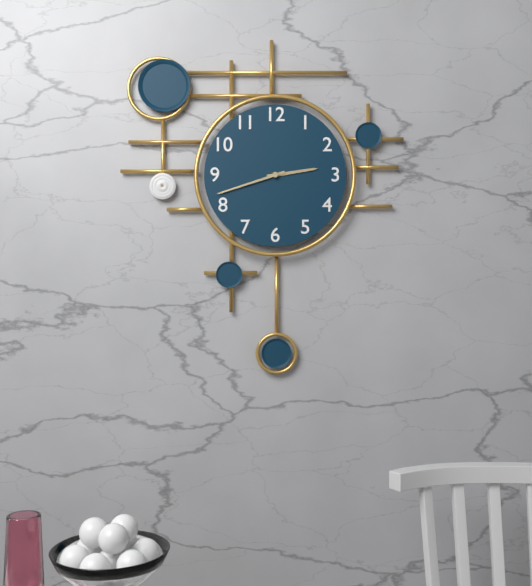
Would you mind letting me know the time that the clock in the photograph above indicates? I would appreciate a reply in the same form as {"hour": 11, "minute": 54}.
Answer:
{"hour": 2, "minute": 42}
